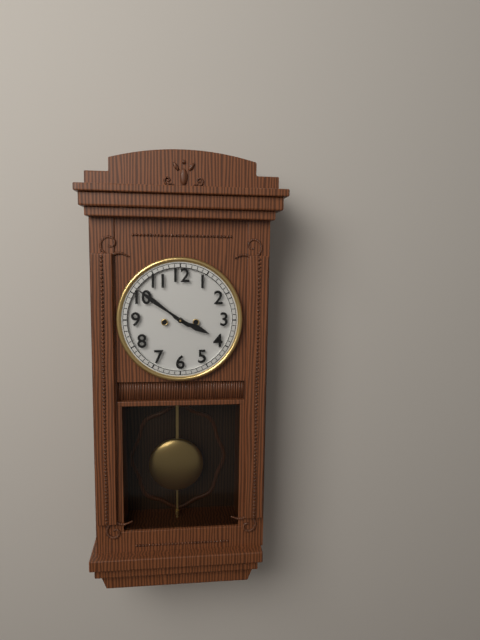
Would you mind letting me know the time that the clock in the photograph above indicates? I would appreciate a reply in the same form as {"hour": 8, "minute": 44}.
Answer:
{"hour": 3, "minute": 51}
